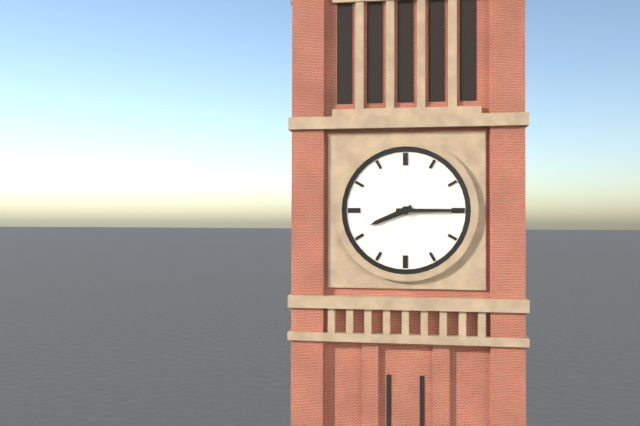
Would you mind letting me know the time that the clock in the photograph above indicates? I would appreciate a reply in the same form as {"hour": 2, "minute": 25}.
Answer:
{"hour": 8, "minute": 15}
